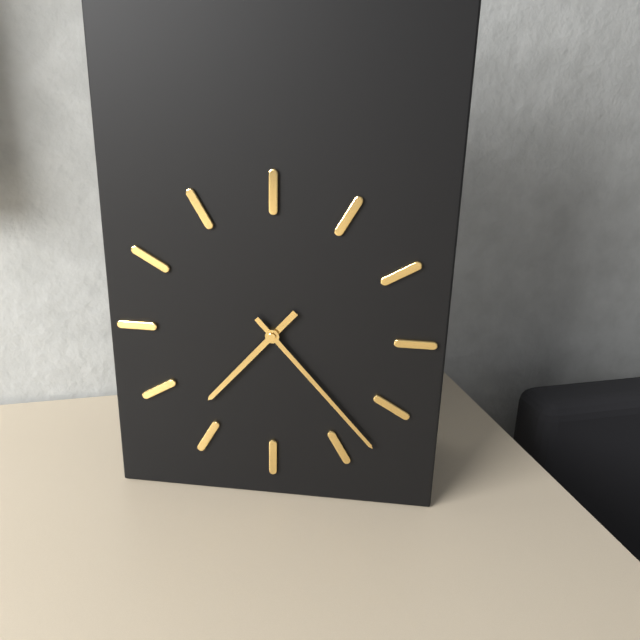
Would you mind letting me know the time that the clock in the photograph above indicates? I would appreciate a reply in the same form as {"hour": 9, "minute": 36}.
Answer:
{"hour": 7, "minute": 23}
